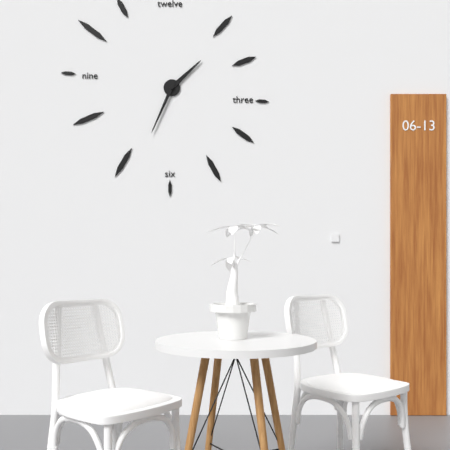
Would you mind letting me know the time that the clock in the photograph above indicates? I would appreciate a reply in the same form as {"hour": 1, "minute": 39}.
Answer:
{"hour": 1, "minute": 34}
